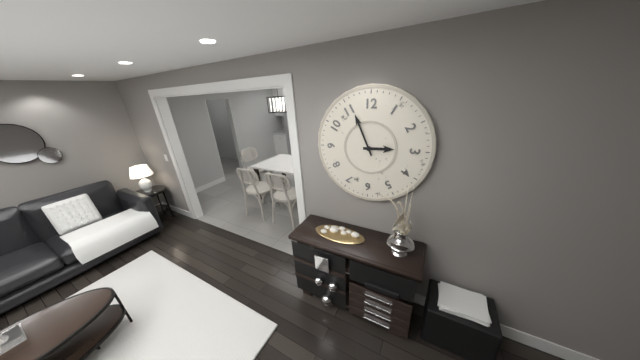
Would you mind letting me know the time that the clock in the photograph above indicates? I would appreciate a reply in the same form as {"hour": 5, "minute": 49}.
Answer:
{"hour": 2, "minute": 56}
